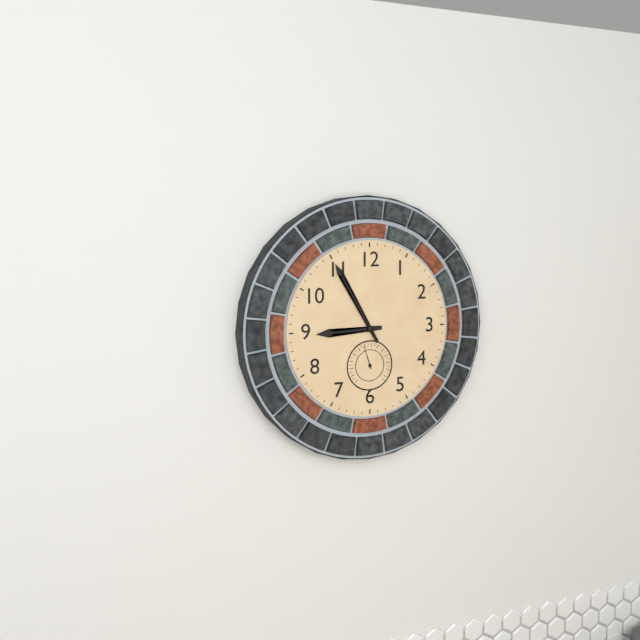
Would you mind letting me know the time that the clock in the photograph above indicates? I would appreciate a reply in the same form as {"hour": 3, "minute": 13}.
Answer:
{"hour": 8, "minute": 55}
